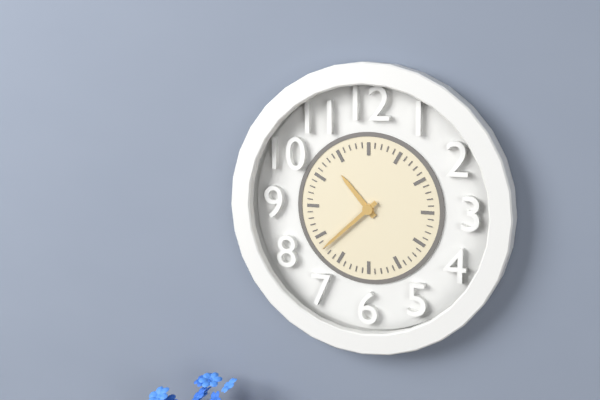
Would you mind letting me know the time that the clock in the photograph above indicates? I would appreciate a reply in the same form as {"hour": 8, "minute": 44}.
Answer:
{"hour": 10, "minute": 38}
